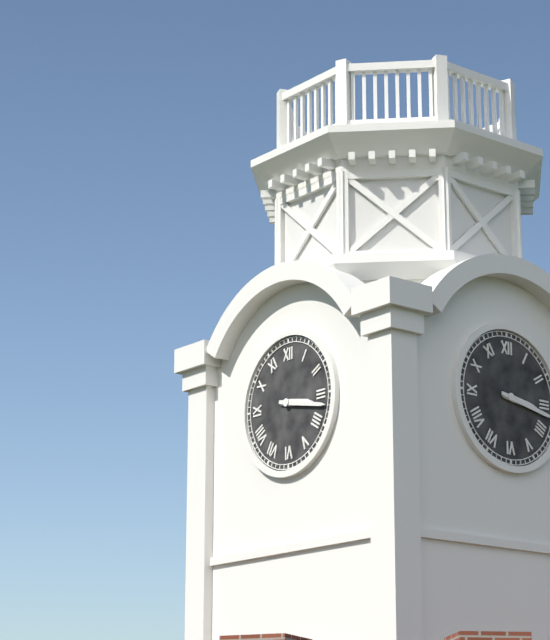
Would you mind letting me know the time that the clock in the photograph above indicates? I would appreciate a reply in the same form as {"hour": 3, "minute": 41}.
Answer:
{"hour": 3, "minute": 17}
